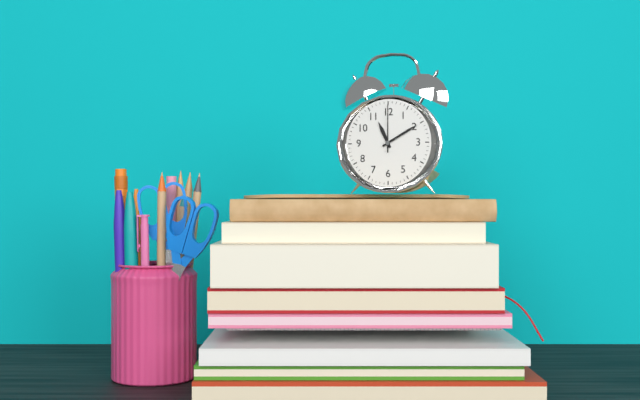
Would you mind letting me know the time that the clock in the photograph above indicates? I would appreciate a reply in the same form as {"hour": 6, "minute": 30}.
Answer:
{"hour": 11, "minute": 10}
